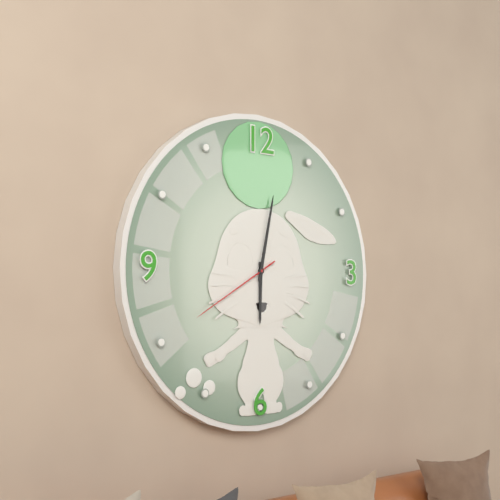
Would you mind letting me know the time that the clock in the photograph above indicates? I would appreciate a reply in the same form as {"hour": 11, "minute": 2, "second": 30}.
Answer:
{"hour": 6, "minute": 2, "second": 40}
